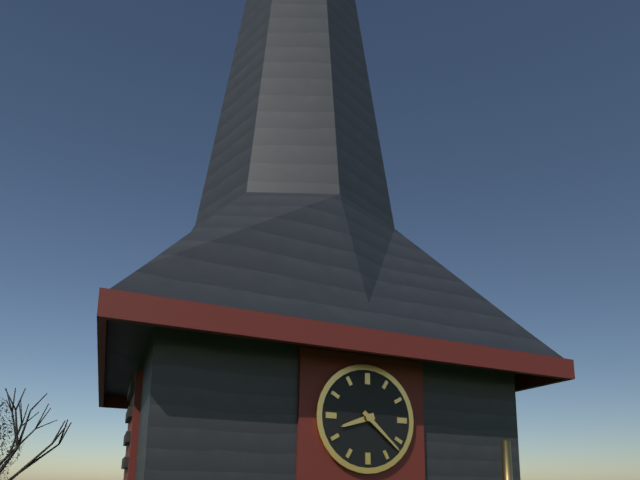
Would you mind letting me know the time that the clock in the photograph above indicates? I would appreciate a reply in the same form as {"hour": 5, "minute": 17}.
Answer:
{"hour": 8, "minute": 22}
